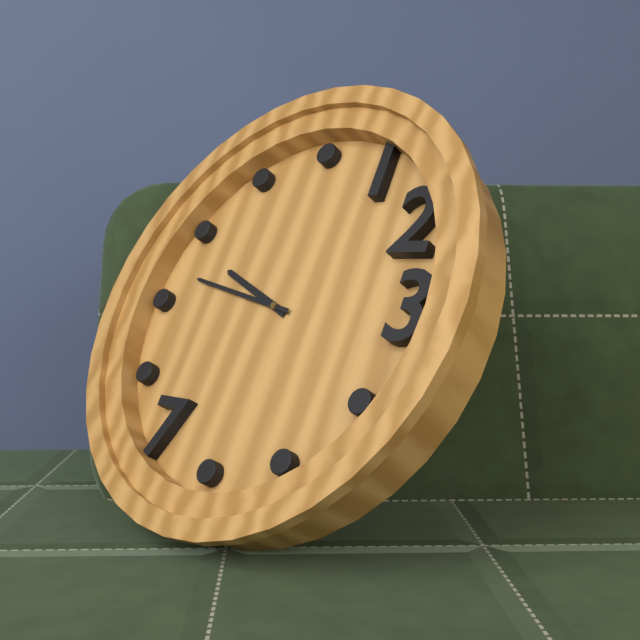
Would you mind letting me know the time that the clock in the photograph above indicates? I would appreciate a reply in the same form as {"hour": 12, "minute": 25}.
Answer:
{"hour": 9, "minute": 47}
